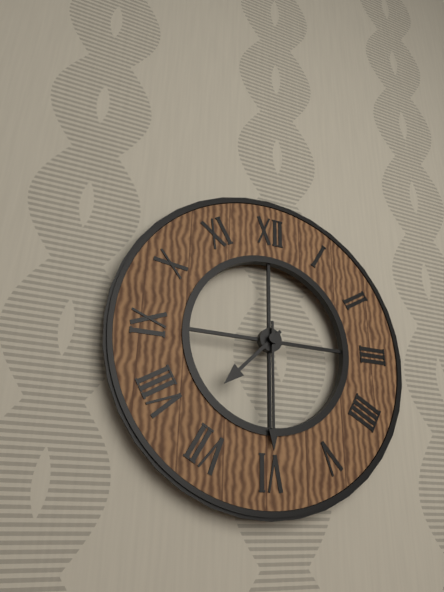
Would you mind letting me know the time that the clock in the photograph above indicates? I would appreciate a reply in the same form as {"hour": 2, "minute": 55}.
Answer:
{"hour": 7, "minute": 30}
